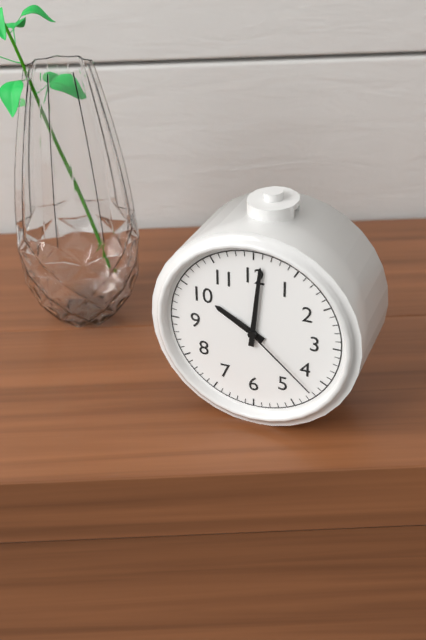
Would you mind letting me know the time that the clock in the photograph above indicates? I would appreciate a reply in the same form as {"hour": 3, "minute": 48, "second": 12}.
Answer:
{"hour": 10, "minute": 1, "second": 22}
